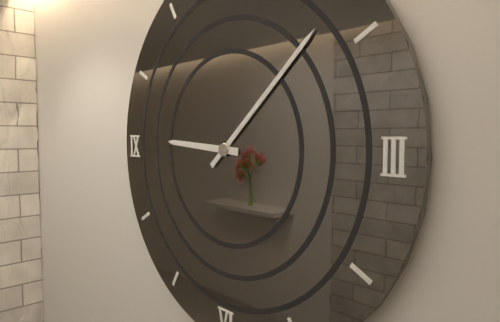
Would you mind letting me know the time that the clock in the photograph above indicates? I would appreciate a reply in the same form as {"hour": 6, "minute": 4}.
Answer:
{"hour": 9, "minute": 8}
